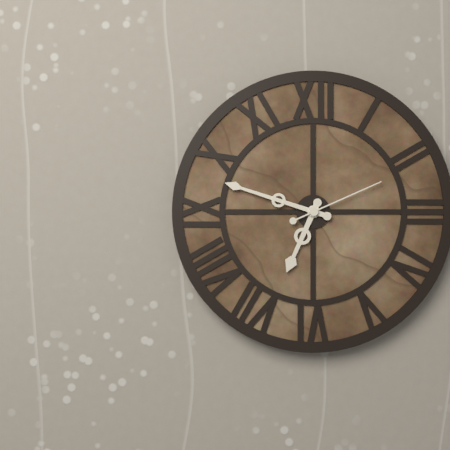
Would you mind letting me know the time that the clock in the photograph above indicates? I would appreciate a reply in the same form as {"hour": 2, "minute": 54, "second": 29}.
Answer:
{"hour": 6, "minute": 48, "second": 11}
